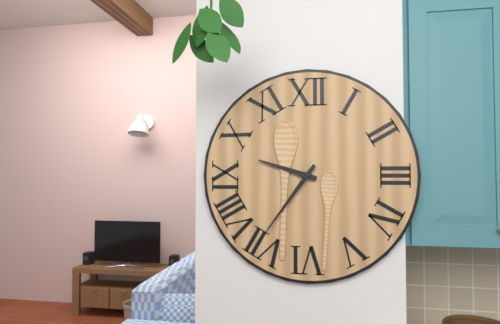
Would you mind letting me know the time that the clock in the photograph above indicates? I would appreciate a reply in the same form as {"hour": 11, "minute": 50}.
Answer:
{"hour": 9, "minute": 36}
